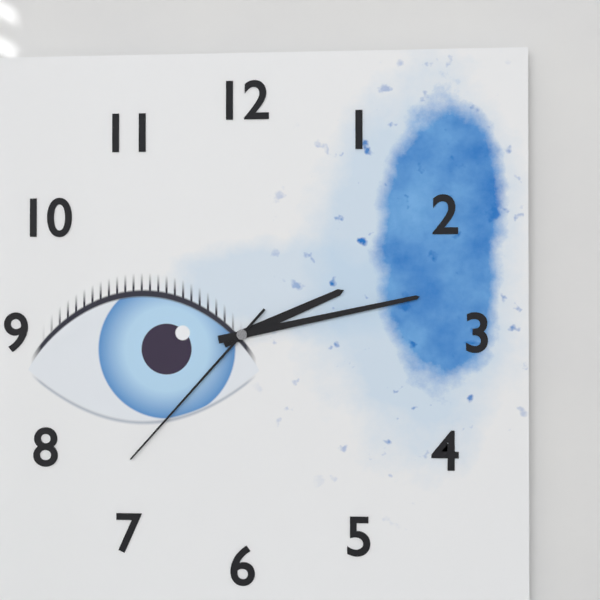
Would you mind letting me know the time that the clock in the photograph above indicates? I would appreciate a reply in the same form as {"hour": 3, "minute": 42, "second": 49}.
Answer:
{"hour": 2, "minute": 13, "second": 37}
